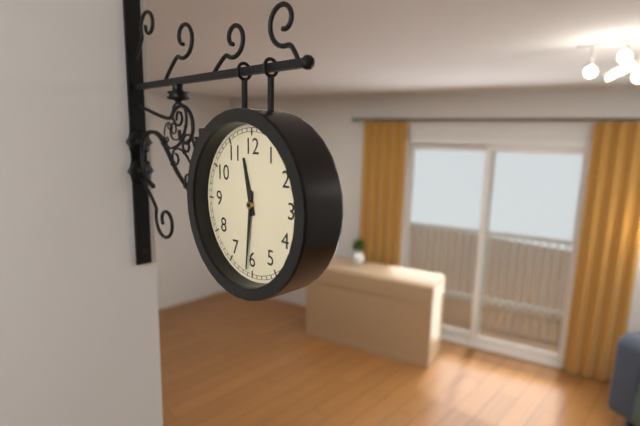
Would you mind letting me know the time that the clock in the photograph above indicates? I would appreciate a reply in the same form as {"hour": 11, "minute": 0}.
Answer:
{"hour": 11, "minute": 31}
